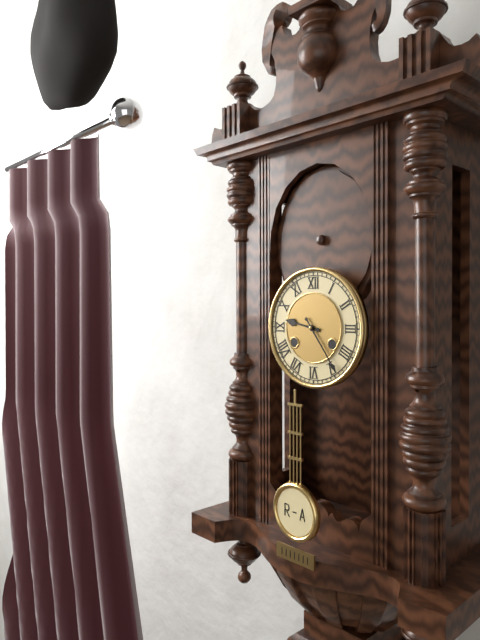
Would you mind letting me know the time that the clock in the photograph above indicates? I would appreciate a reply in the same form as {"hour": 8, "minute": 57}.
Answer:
{"hour": 9, "minute": 24}
